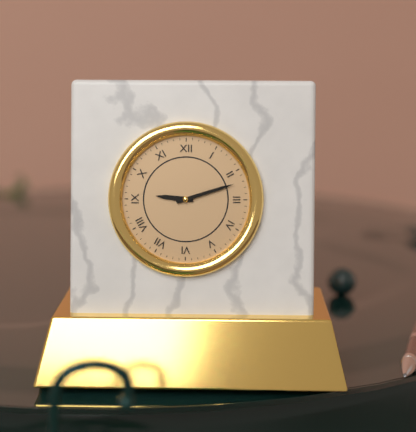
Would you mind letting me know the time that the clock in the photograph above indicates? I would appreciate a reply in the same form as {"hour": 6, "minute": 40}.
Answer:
{"hour": 9, "minute": 12}
